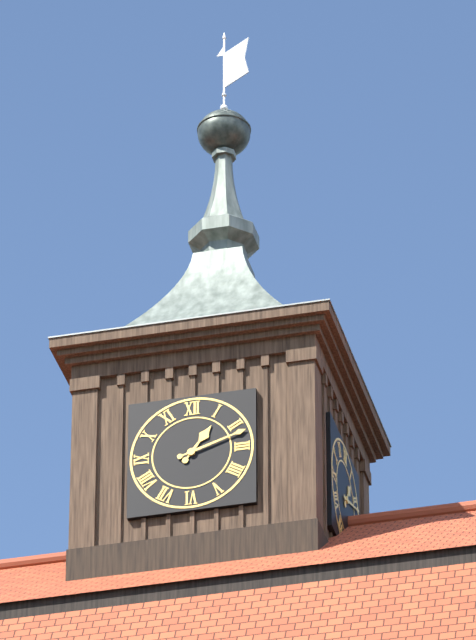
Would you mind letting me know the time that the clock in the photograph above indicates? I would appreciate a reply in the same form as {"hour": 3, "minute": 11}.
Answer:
{"hour": 1, "minute": 12}
